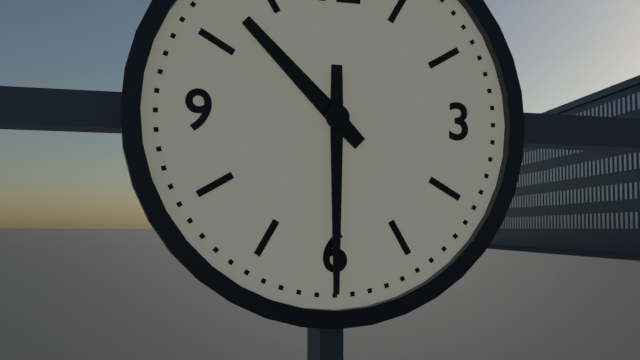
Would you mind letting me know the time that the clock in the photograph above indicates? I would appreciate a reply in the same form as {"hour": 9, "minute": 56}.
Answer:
{"hour": 10, "minute": 30}
